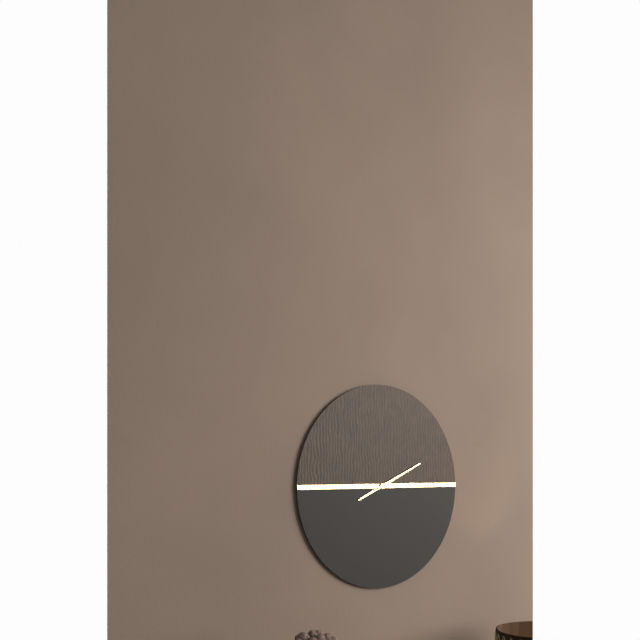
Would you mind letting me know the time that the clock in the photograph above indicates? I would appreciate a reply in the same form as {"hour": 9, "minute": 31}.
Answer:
{"hour": 8, "minute": 11}
